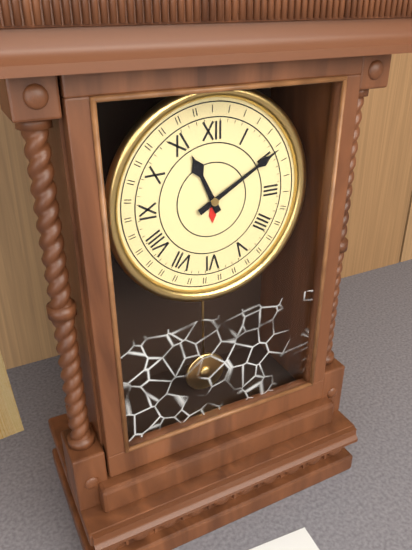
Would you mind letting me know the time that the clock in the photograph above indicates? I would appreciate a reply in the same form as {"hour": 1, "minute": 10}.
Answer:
{"hour": 11, "minute": 10}
